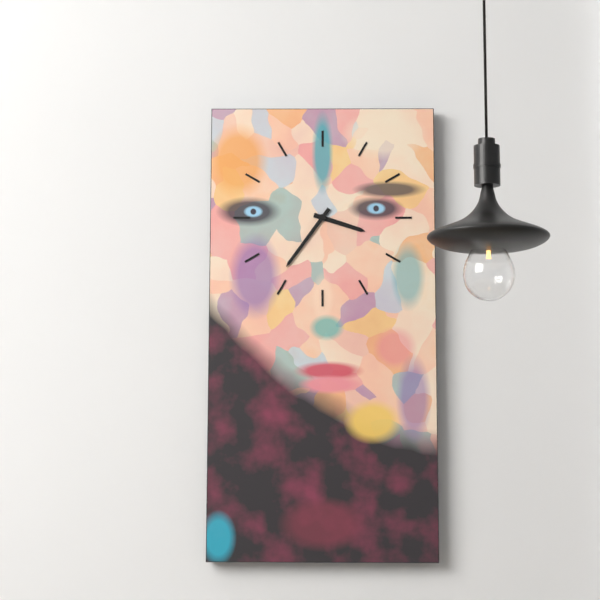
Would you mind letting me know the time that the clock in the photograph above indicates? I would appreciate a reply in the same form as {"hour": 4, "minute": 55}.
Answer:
{"hour": 3, "minute": 36}
